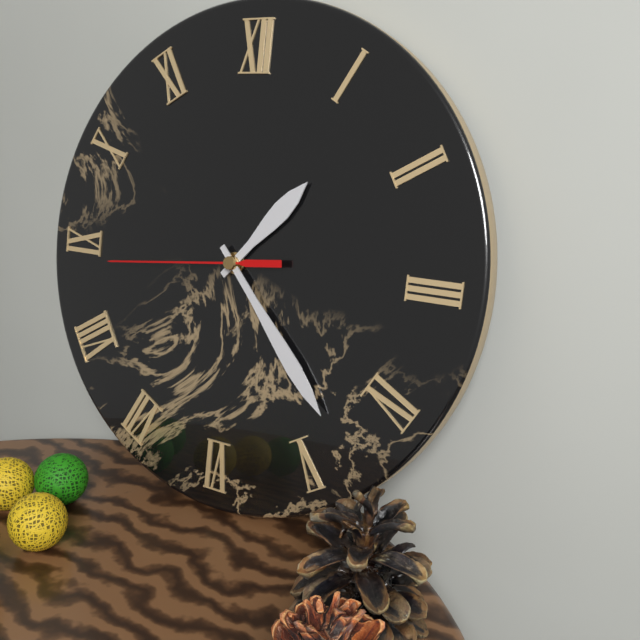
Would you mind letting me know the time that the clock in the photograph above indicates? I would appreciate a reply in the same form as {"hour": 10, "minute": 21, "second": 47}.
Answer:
{"hour": 1, "minute": 23, "second": 44}
